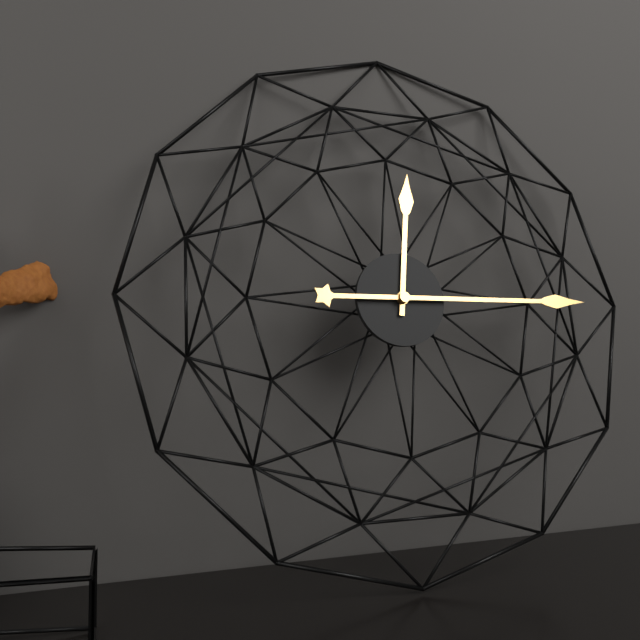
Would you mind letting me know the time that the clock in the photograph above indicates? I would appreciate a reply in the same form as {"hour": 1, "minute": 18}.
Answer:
{"hour": 12, "minute": 15}
